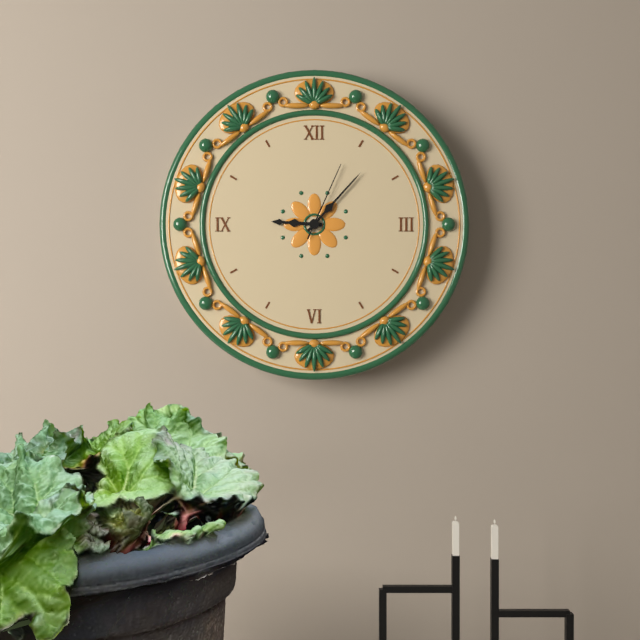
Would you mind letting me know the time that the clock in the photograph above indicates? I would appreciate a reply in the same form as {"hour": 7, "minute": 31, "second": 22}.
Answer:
{"hour": 9, "minute": 7, "second": 4}
